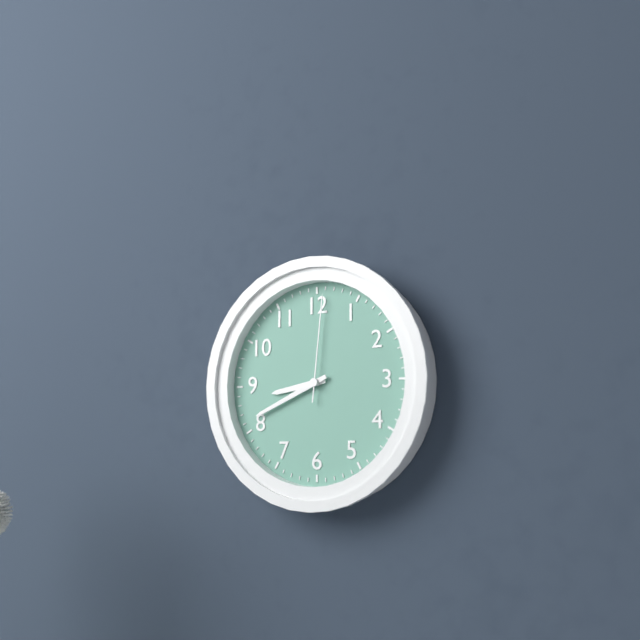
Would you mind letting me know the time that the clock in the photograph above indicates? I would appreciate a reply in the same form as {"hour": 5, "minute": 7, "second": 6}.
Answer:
{"hour": 8, "minute": 41, "second": 1}
